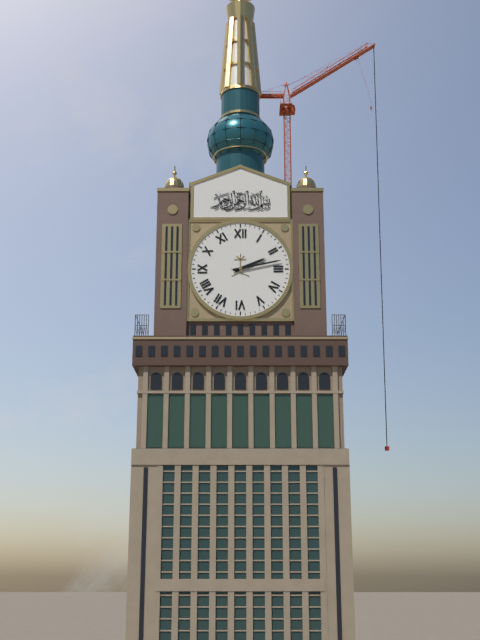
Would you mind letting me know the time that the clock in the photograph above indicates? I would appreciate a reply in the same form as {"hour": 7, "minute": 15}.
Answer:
{"hour": 2, "minute": 13}
